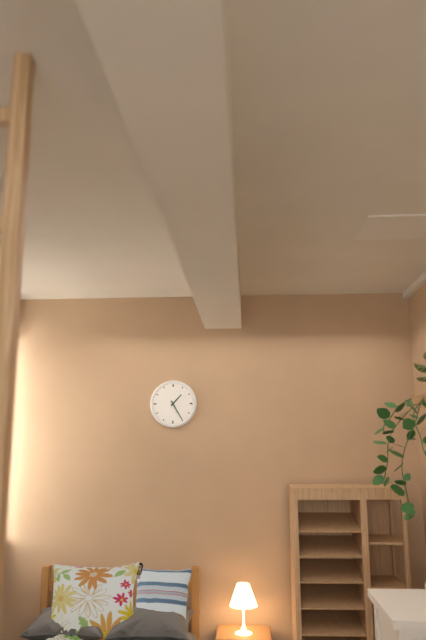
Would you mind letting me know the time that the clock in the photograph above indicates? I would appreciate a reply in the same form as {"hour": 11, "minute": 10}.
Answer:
{"hour": 1, "minute": 25}
